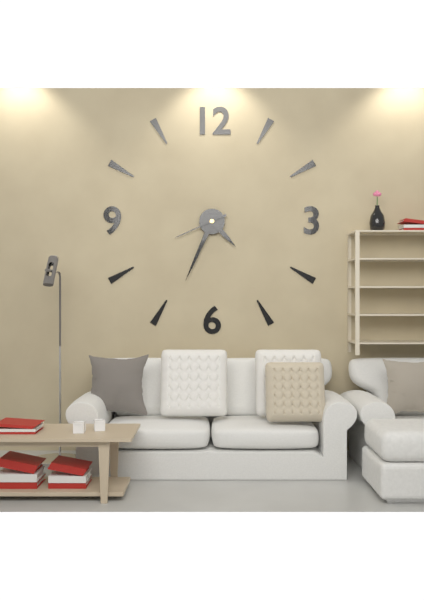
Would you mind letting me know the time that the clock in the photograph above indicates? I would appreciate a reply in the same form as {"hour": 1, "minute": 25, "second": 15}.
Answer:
{"hour": 4, "minute": 34, "second": 41}
